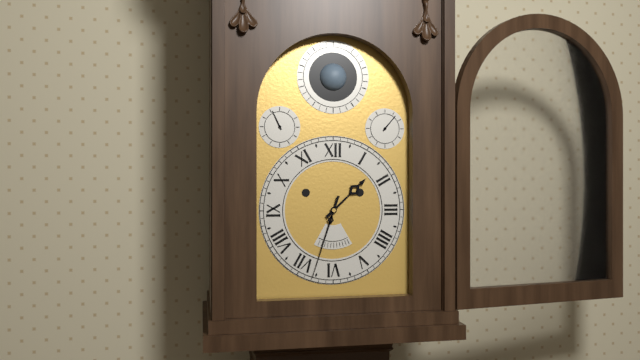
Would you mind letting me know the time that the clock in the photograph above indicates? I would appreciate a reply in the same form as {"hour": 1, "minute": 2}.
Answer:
{"hour": 1, "minute": 33}
